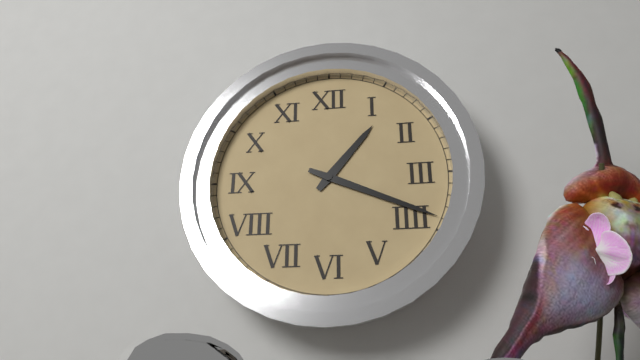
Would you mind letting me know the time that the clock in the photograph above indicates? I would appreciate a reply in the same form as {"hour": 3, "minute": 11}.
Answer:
{"hour": 1, "minute": 19}
